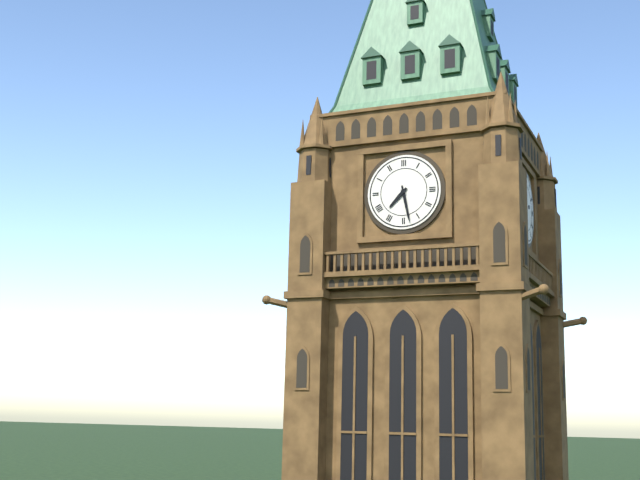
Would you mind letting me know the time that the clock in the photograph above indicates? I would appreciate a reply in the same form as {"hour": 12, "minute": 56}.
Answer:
{"hour": 7, "minute": 28}
